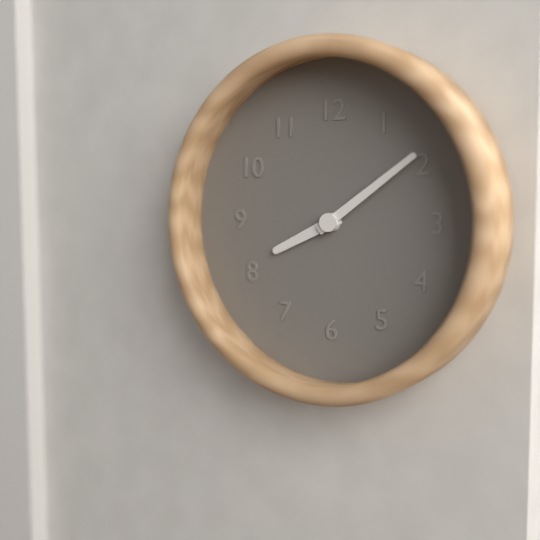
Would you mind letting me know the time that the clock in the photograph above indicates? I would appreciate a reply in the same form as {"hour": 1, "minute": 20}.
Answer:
{"hour": 8, "minute": 9}
